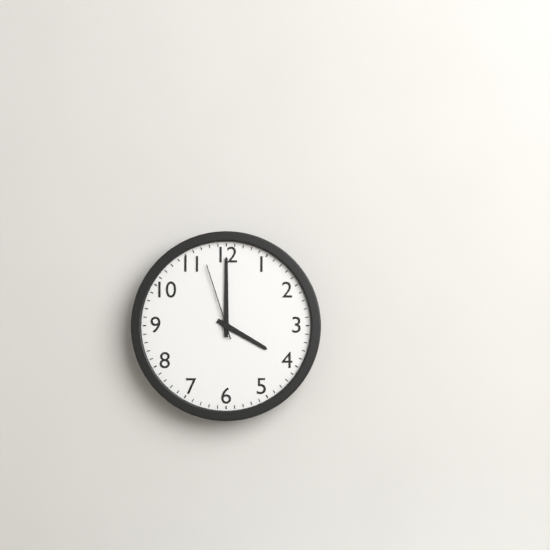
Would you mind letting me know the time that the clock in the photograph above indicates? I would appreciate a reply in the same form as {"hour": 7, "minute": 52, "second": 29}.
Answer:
{"hour": 4, "minute": 0, "second": 57}
